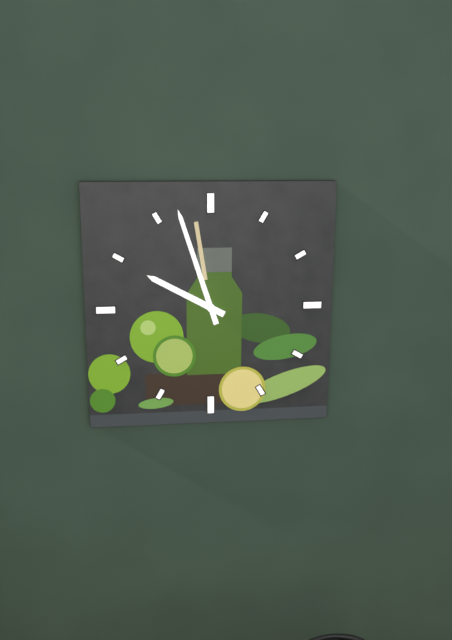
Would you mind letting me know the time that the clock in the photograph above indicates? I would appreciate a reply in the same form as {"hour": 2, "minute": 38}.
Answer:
{"hour": 9, "minute": 57}
